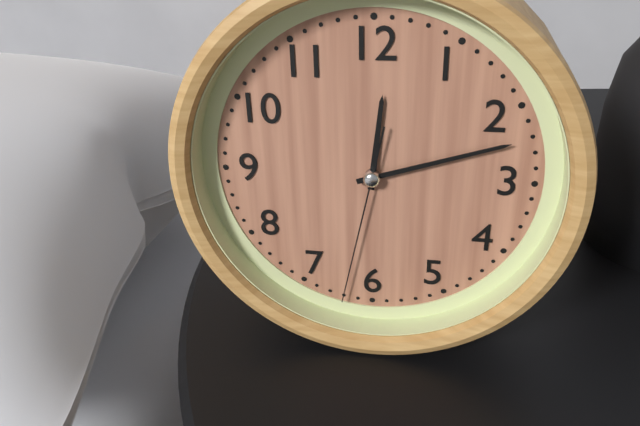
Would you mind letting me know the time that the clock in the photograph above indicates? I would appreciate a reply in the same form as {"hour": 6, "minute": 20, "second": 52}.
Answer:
{"hour": 12, "minute": 12, "second": 32}
